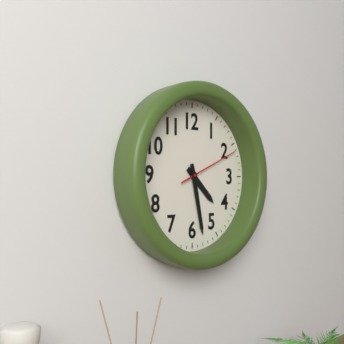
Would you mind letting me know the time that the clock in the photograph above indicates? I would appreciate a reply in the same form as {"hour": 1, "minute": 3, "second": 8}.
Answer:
{"hour": 4, "minute": 28, "second": 11}
